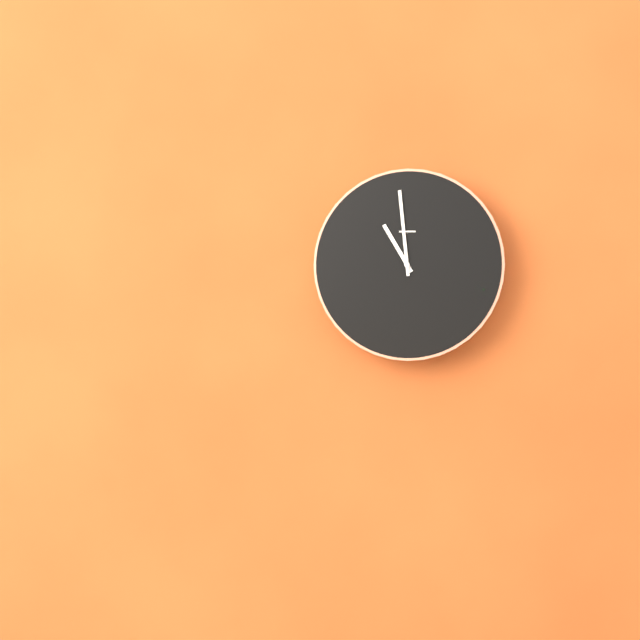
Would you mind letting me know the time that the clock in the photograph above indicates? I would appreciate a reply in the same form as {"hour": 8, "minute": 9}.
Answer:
{"hour": 10, "minute": 59}
